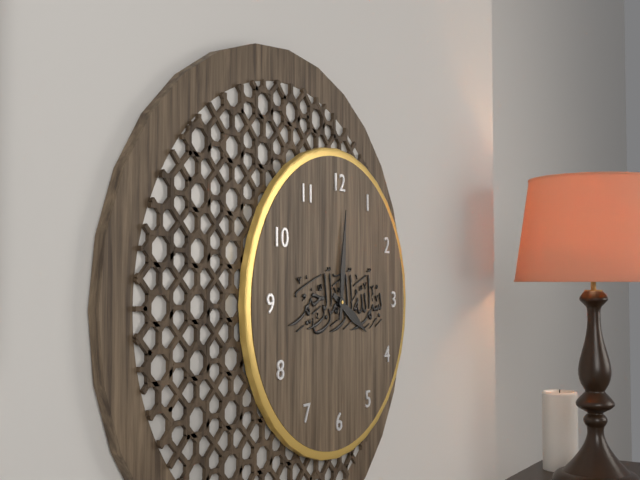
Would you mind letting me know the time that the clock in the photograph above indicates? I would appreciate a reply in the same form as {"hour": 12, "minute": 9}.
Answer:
{"hour": 4, "minute": 1}
